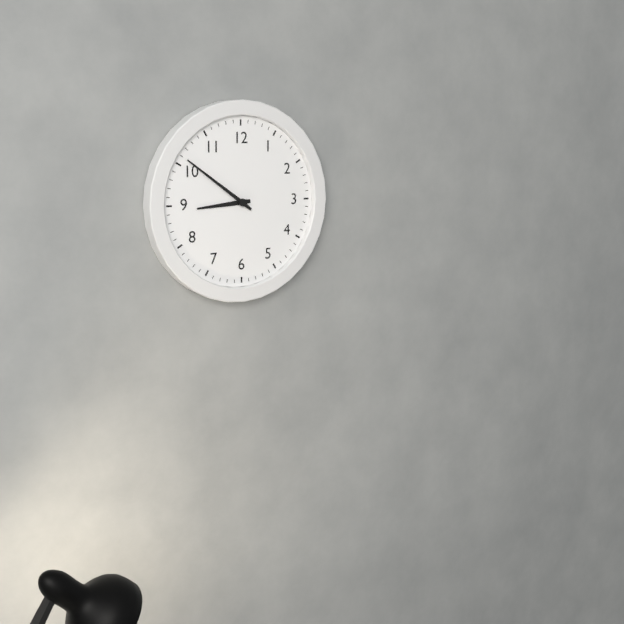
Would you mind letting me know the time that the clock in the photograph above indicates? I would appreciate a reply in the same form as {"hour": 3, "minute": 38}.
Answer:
{"hour": 8, "minute": 51}
